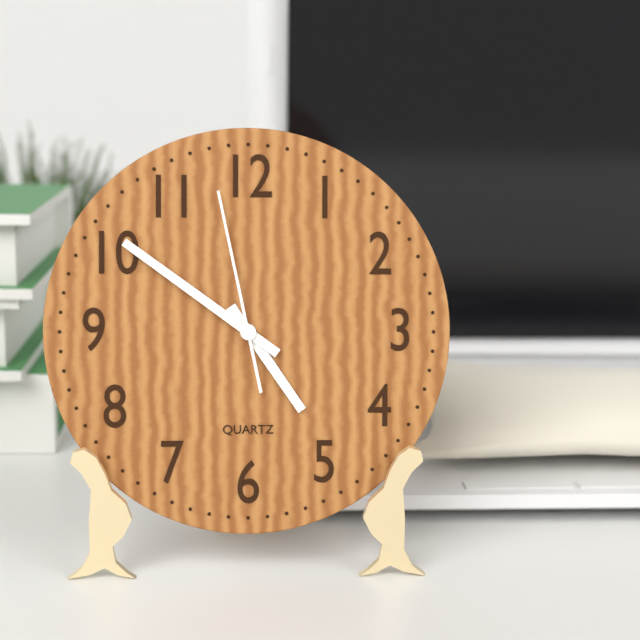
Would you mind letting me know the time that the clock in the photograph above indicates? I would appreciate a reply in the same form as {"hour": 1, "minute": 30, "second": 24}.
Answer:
{"hour": 4, "minute": 51, "second": 58}
